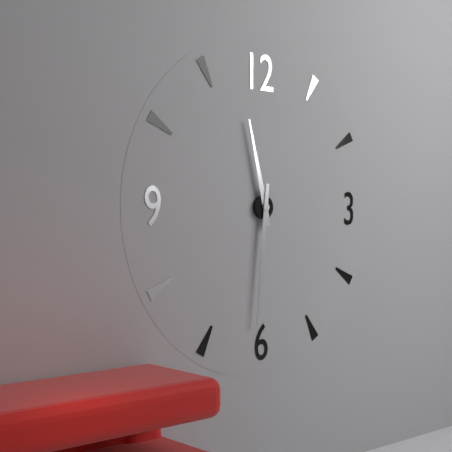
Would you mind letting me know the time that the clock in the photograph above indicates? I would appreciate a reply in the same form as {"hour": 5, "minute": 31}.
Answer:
{"hour": 11, "minute": 31}
